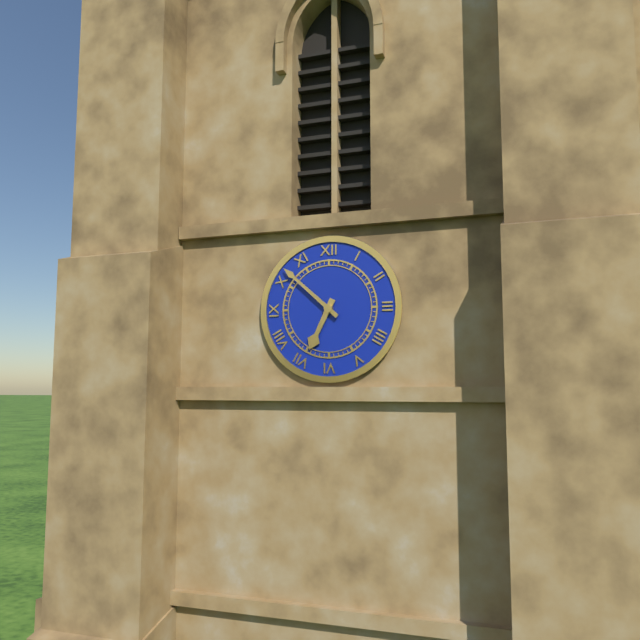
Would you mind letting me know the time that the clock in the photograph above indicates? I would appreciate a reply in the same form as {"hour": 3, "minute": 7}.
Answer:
{"hour": 6, "minute": 52}
